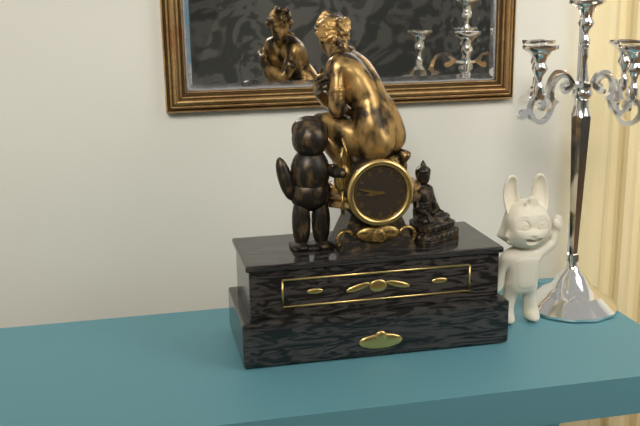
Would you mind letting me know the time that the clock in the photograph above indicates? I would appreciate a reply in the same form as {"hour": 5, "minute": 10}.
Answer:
{"hour": 8, "minute": 47}
